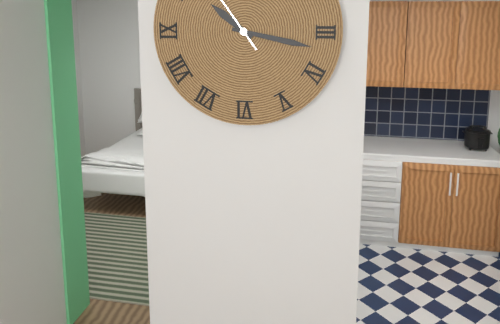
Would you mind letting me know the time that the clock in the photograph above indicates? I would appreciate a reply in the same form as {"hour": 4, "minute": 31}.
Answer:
{"hour": 10, "minute": 17}
